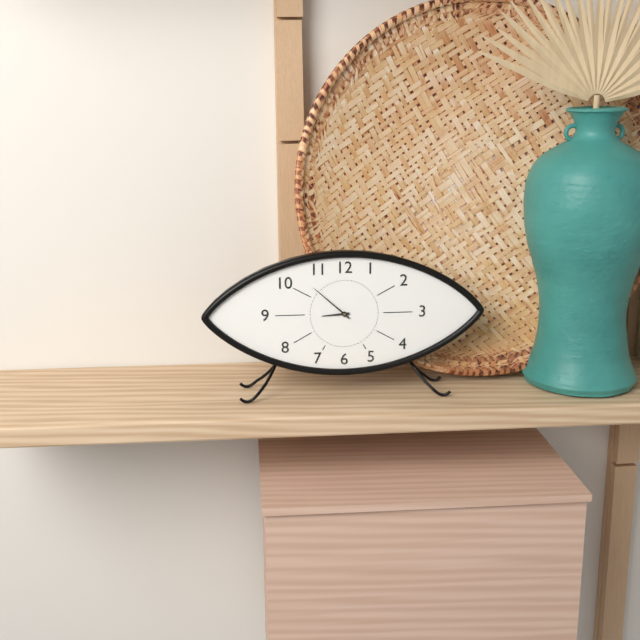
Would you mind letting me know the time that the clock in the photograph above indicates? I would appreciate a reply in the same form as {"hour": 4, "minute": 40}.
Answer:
{"hour": 8, "minute": 52}
